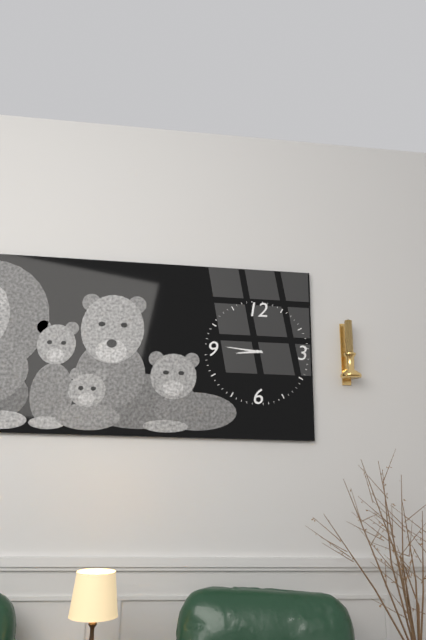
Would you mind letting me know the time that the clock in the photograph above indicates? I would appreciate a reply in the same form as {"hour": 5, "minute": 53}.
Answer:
{"hour": 8, "minute": 46}
